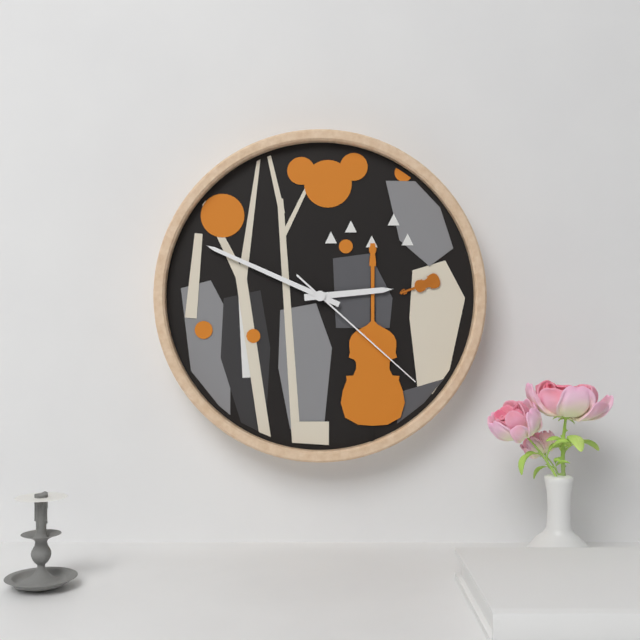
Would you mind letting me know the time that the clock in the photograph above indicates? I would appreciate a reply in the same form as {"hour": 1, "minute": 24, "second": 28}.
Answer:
{"hour": 2, "minute": 49, "second": 22}
